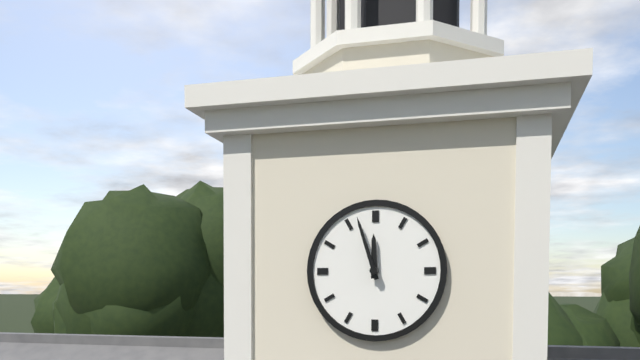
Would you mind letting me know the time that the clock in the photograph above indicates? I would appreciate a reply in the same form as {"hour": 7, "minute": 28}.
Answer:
{"hour": 11, "minute": 57}
